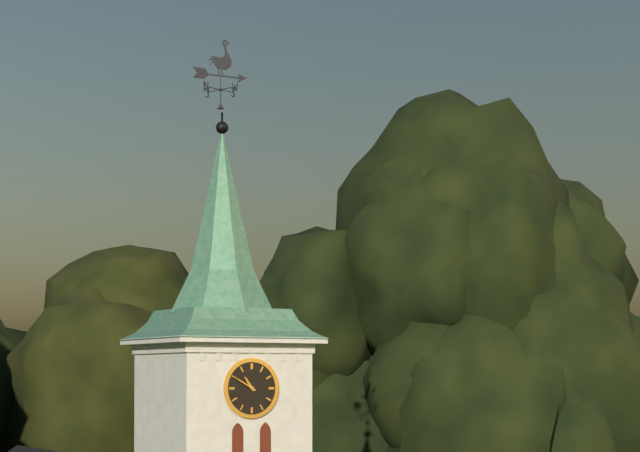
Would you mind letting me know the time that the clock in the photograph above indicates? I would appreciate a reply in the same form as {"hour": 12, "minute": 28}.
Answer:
{"hour": 10, "minute": 50}
